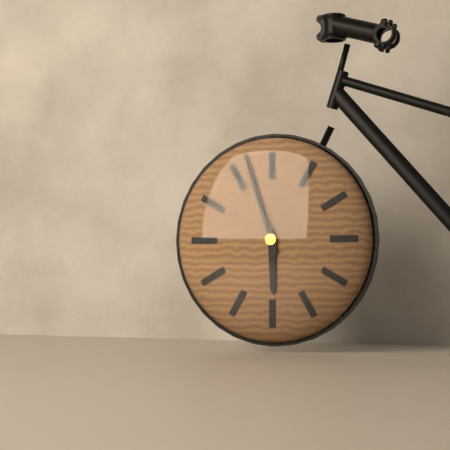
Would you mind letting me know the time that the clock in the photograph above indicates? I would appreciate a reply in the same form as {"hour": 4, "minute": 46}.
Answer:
{"hour": 5, "minute": 57}
